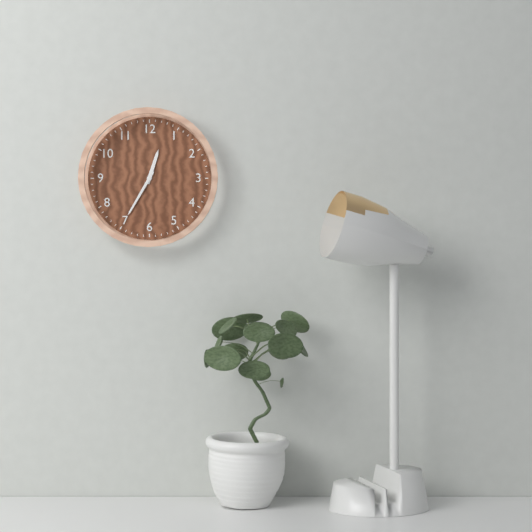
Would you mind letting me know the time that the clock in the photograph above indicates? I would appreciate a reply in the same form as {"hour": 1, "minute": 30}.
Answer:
{"hour": 12, "minute": 35}
